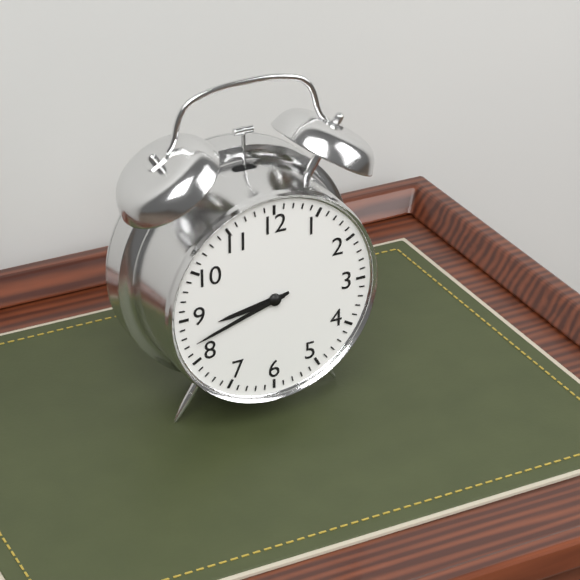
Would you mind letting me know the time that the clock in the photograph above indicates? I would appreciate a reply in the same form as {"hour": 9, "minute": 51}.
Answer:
{"hour": 8, "minute": 42}
